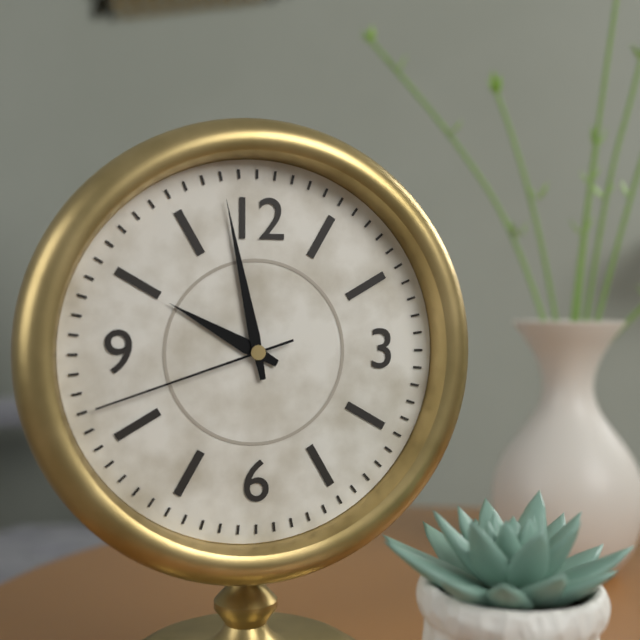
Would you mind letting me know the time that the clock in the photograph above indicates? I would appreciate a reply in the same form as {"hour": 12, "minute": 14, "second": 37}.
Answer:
{"hour": 9, "minute": 58, "second": 42}
